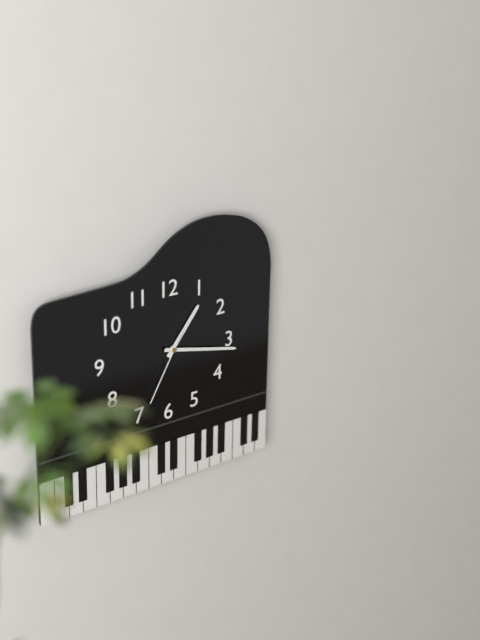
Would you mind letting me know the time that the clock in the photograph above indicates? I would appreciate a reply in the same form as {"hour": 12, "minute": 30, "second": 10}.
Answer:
{"hour": 1, "minute": 17, "second": 35}
